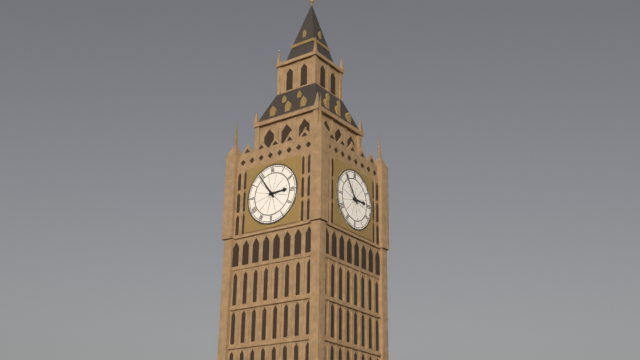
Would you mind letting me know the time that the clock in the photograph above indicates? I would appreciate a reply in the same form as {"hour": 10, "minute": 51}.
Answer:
{"hour": 2, "minute": 54}
